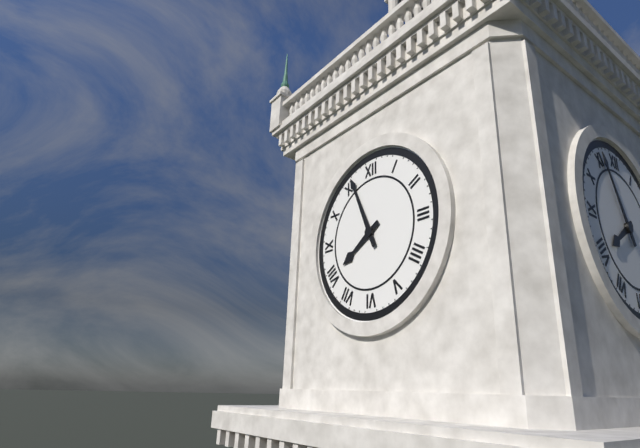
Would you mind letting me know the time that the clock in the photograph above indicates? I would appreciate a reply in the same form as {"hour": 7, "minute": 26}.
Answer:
{"hour": 7, "minute": 56}
